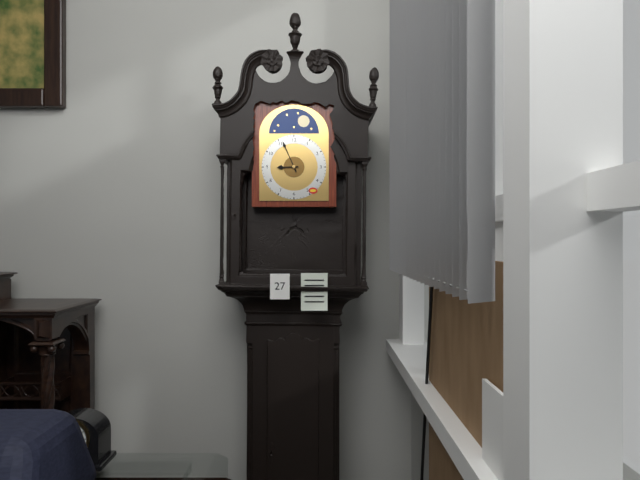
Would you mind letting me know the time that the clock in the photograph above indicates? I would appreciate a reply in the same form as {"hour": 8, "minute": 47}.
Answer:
{"hour": 8, "minute": 56}
